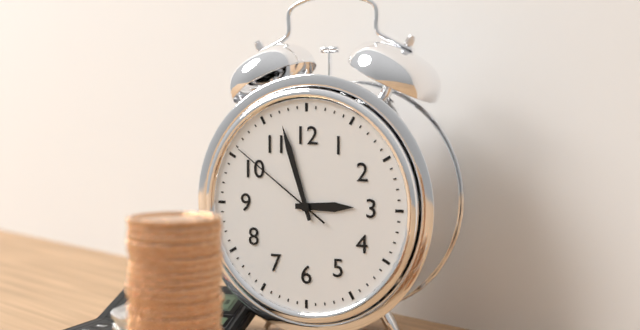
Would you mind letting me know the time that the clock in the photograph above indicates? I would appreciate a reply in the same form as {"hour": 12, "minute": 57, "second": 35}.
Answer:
{"hour": 2, "minute": 57, "second": 51}
